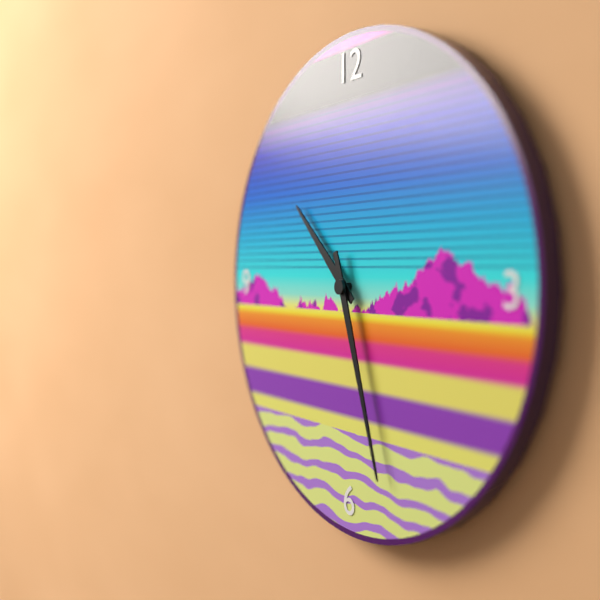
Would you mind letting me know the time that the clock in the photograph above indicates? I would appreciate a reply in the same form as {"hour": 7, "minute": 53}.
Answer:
{"hour": 10, "minute": 27}
